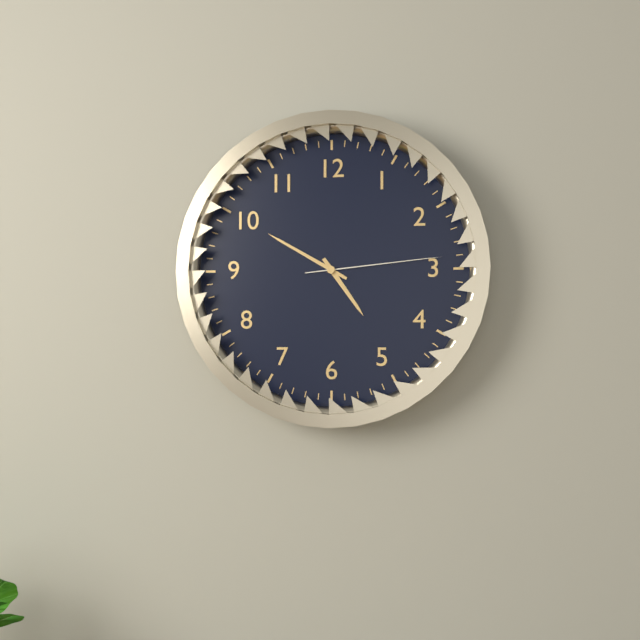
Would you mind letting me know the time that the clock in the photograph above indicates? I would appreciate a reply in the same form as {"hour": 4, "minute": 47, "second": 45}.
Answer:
{"hour": 4, "minute": 50, "second": 14}
